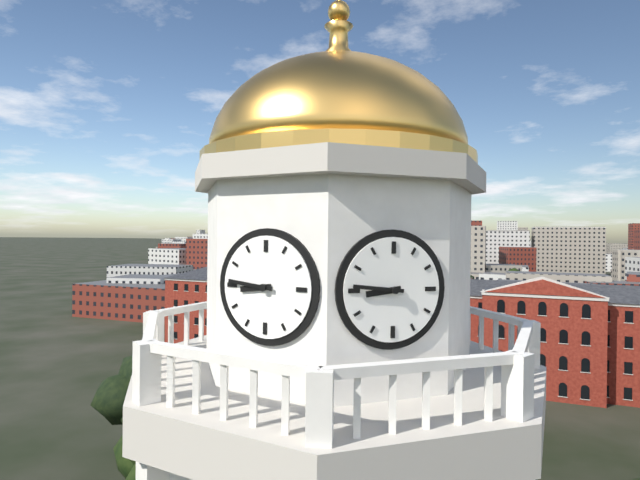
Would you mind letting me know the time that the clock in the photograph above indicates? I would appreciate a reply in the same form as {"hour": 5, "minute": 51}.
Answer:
{"hour": 8, "minute": 46}
